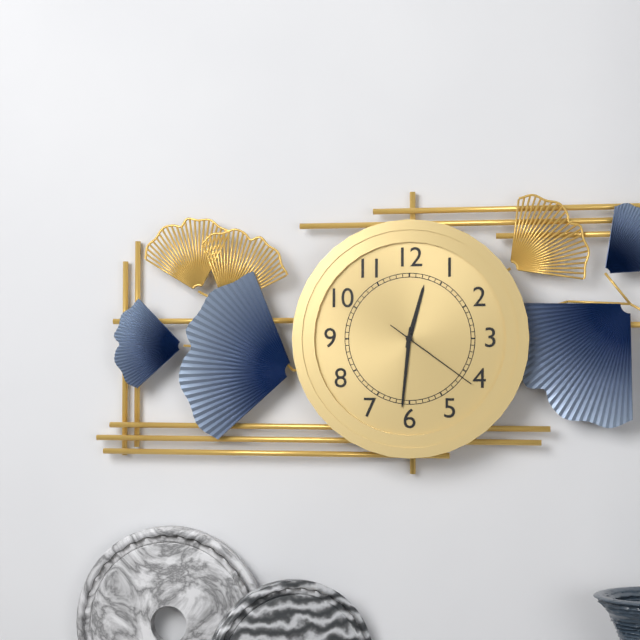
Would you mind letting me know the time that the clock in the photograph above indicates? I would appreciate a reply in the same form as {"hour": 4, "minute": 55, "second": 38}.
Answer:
{"hour": 12, "minute": 31, "second": 21}
